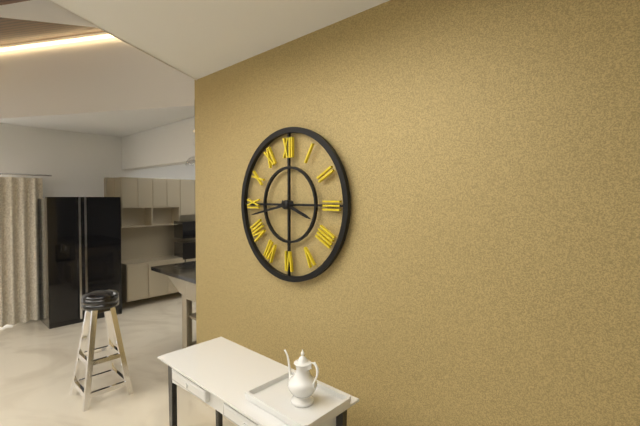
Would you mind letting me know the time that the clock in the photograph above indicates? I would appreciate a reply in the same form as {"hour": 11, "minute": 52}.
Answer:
{"hour": 3, "minute": 43}
